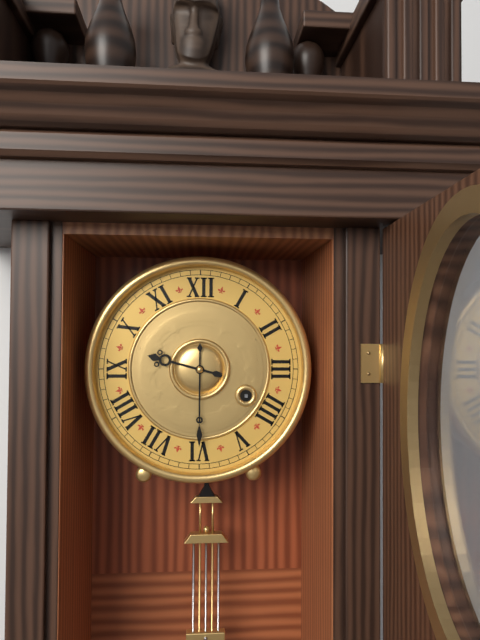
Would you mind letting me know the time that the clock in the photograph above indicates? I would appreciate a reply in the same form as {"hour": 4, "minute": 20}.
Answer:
{"hour": 9, "minute": 30}
